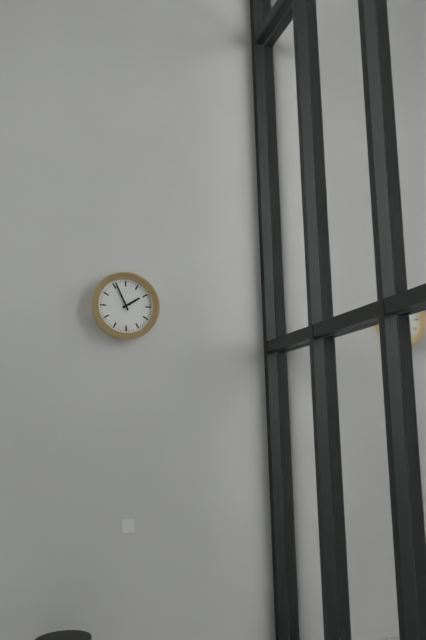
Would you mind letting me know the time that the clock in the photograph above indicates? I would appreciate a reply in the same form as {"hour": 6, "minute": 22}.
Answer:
{"hour": 1, "minute": 56}
